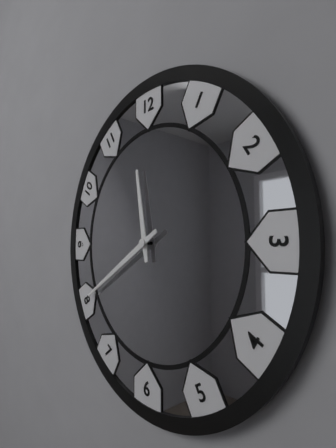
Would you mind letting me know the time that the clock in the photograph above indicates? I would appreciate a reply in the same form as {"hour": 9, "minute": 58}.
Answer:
{"hour": 11, "minute": 40}
